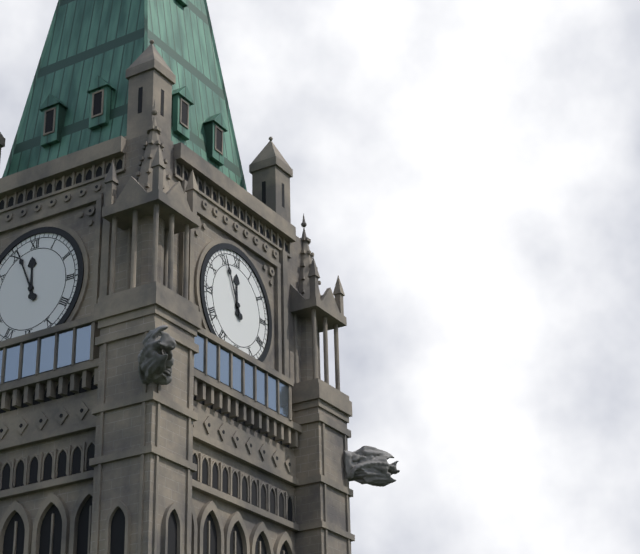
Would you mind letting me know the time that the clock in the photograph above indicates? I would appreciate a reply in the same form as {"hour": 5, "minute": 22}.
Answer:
{"hour": 11, "minute": 56}
